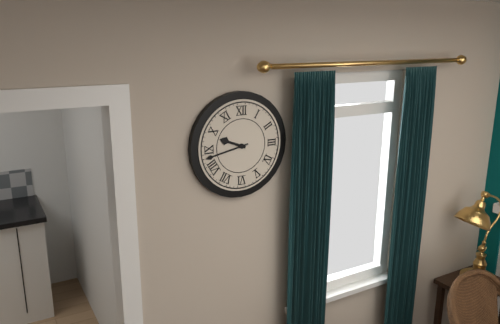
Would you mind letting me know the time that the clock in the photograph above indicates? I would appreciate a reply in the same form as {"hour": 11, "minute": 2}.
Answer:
{"hour": 9, "minute": 43}
